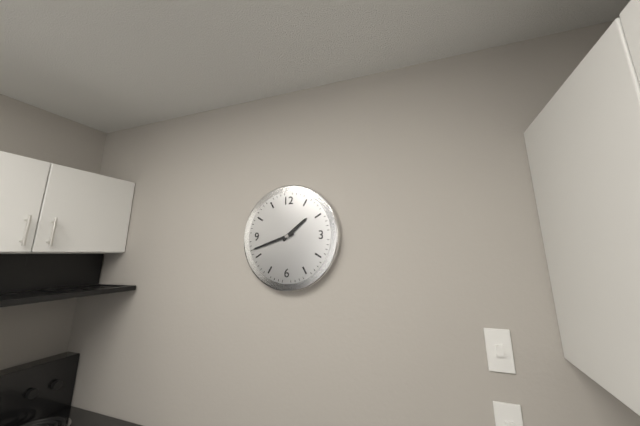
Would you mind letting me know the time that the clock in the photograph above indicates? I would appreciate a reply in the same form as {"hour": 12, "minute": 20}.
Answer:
{"hour": 1, "minute": 42}
